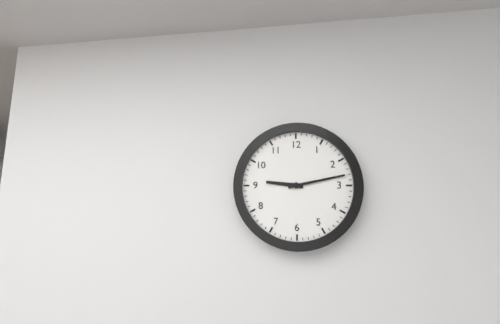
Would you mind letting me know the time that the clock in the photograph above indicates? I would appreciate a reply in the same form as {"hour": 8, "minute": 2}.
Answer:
{"hour": 9, "minute": 13}
